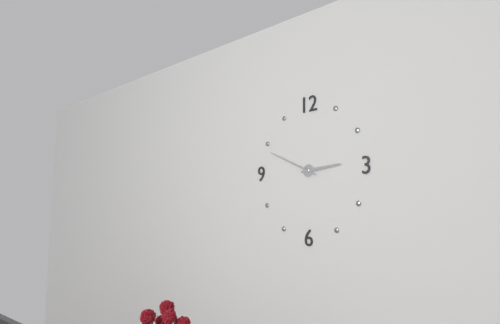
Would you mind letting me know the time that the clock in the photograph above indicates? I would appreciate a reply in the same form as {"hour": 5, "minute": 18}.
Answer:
{"hour": 2, "minute": 49}
